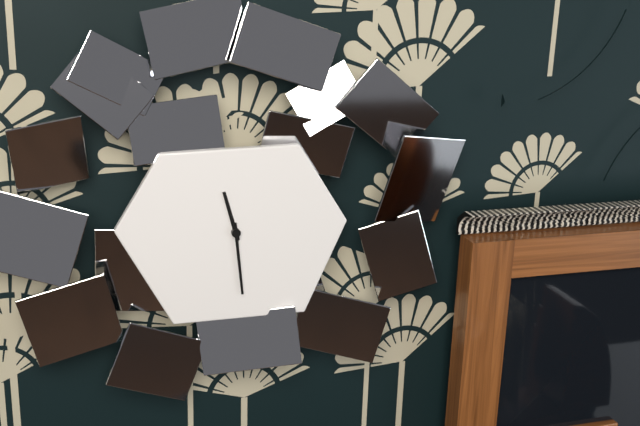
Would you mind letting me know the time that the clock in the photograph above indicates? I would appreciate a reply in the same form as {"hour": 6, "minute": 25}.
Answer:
{"hour": 11, "minute": 29}
